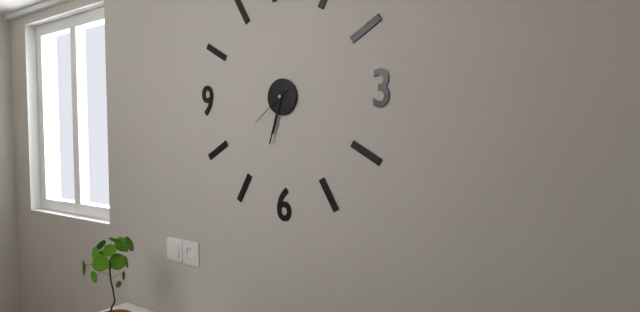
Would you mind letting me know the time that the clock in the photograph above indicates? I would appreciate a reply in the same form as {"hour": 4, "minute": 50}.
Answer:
{"hour": 6, "minute": 33}
